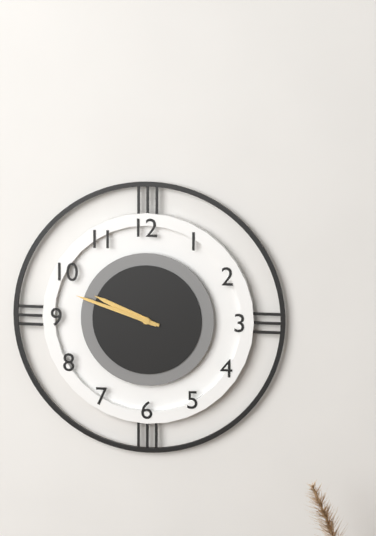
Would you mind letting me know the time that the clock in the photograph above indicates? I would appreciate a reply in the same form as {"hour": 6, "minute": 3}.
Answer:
{"hour": 9, "minute": 48}
